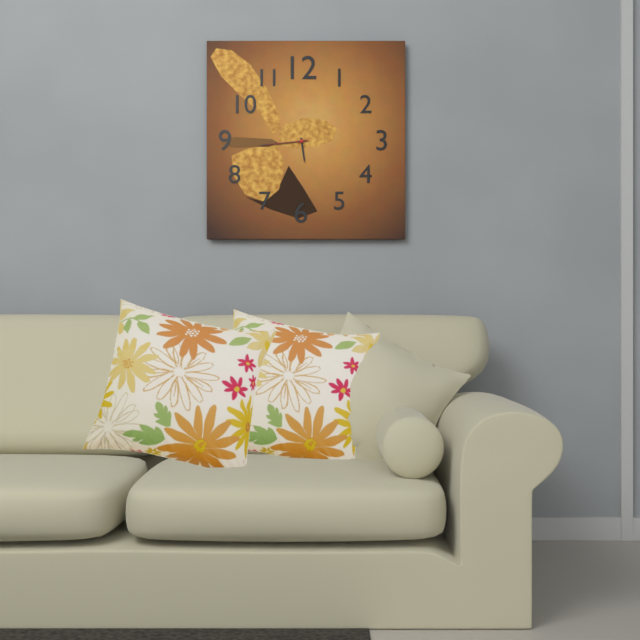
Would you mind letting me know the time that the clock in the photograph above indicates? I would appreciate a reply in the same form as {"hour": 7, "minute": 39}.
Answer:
{"hour": 5, "minute": 44}
